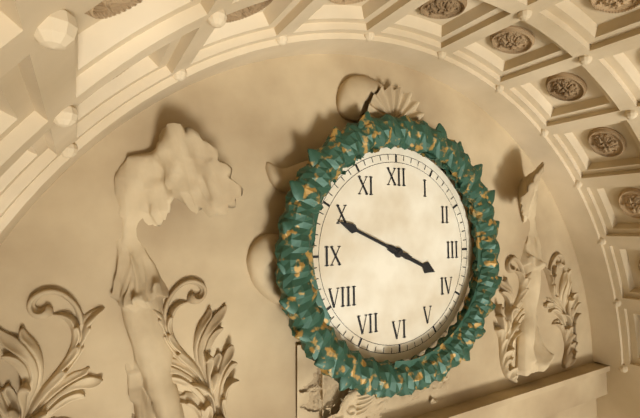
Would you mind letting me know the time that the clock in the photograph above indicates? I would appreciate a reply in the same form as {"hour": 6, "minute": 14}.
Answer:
{"hour": 3, "minute": 49}
